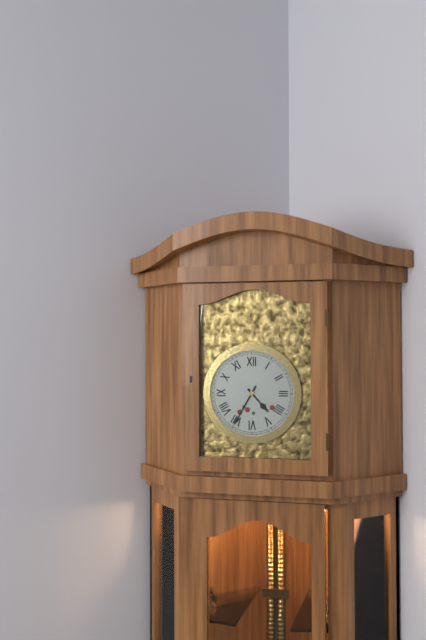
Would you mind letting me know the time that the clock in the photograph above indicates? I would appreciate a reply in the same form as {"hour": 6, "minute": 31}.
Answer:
{"hour": 4, "minute": 35}
